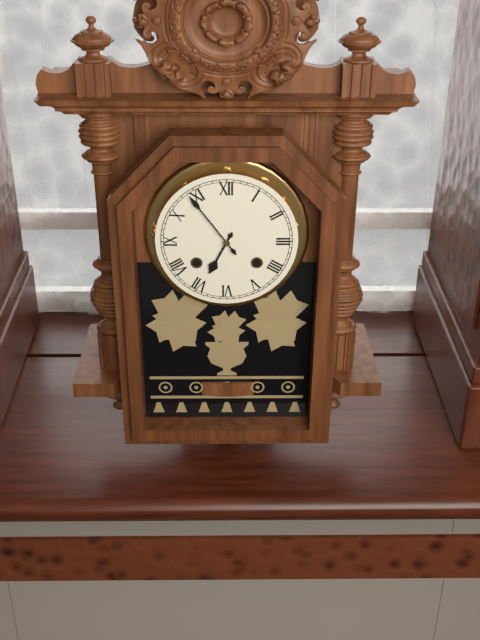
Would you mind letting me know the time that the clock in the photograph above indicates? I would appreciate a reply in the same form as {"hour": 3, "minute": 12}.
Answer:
{"hour": 6, "minute": 54}
